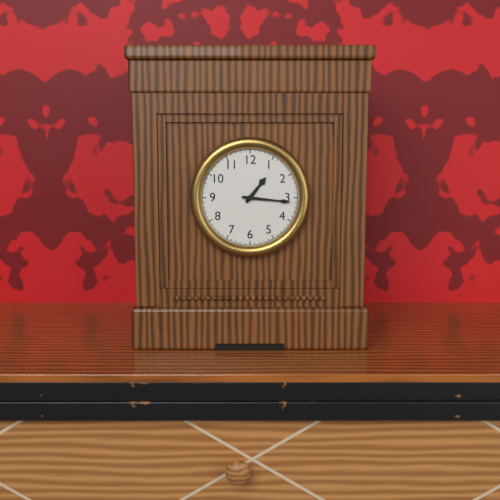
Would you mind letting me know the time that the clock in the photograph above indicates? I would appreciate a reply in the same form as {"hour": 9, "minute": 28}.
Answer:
{"hour": 1, "minute": 16}
